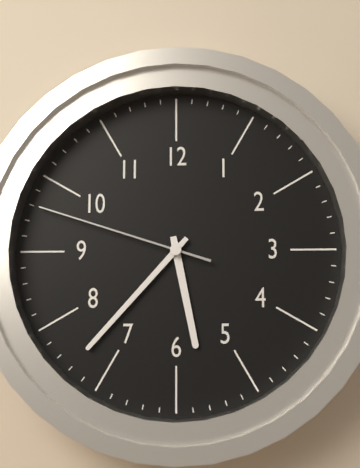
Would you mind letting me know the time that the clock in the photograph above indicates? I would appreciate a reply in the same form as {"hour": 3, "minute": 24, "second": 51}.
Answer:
{"hour": 5, "minute": 37, "second": 48}
